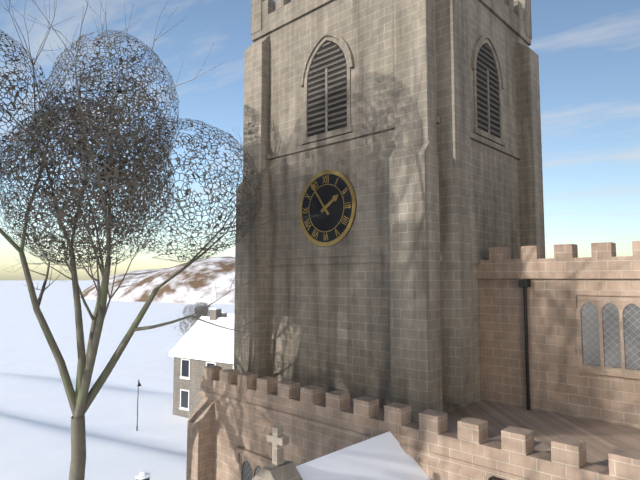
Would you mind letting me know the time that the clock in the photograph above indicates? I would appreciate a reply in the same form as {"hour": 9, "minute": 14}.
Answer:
{"hour": 1, "minute": 54}
